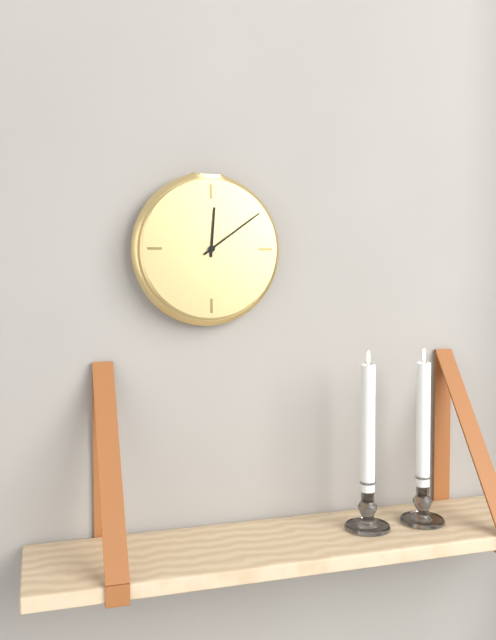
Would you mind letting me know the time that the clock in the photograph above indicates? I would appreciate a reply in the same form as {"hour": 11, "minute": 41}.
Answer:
{"hour": 12, "minute": 9}
